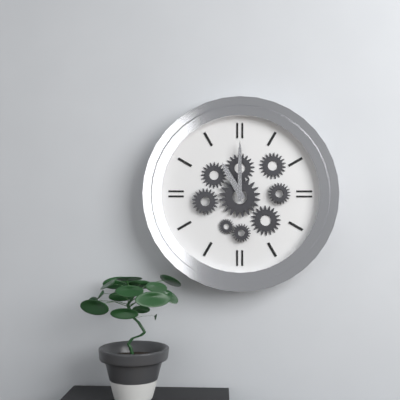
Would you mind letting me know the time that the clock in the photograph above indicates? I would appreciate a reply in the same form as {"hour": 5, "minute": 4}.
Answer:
{"hour": 11, "minute": 0}
